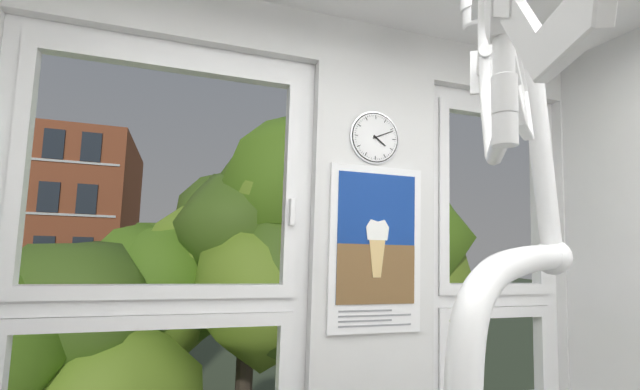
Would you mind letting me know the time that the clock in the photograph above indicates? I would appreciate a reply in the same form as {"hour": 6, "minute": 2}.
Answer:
{"hour": 4, "minute": 11}
